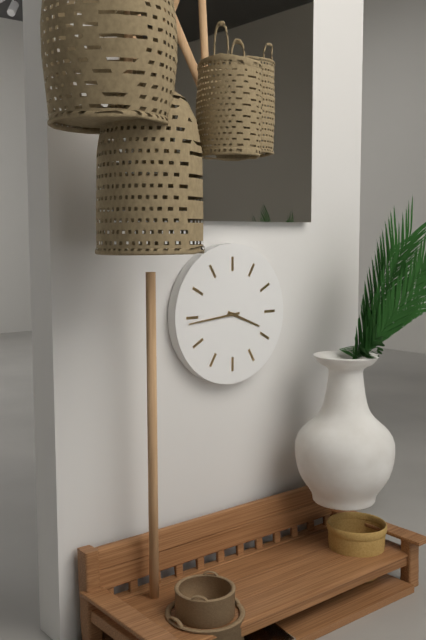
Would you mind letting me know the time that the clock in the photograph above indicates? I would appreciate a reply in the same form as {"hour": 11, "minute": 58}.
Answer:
{"hour": 3, "minute": 44}
